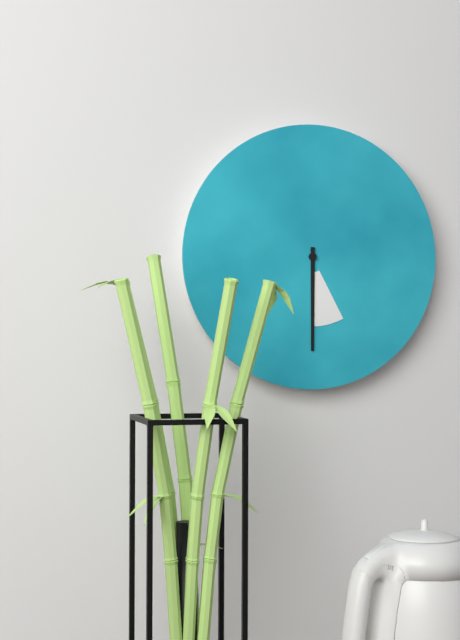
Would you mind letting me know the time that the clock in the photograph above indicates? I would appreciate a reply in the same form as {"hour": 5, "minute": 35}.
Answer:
{"hour": 5, "minute": 30}
